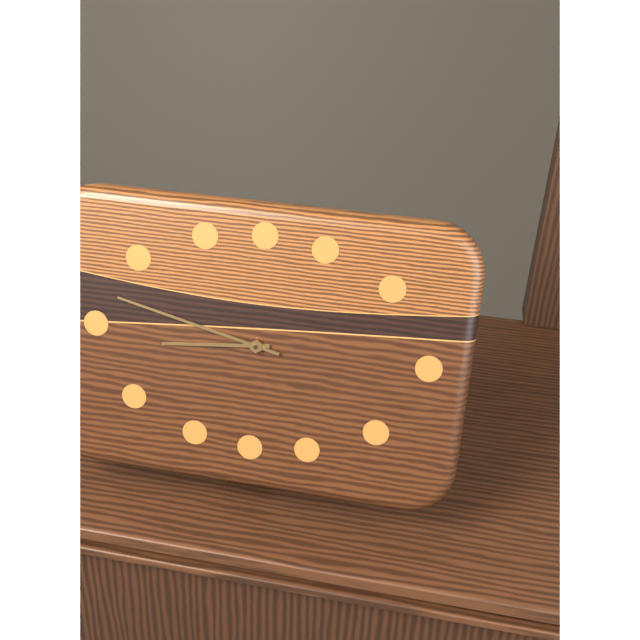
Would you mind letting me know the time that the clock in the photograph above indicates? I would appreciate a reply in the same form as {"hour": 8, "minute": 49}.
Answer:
{"hour": 8, "minute": 47}
